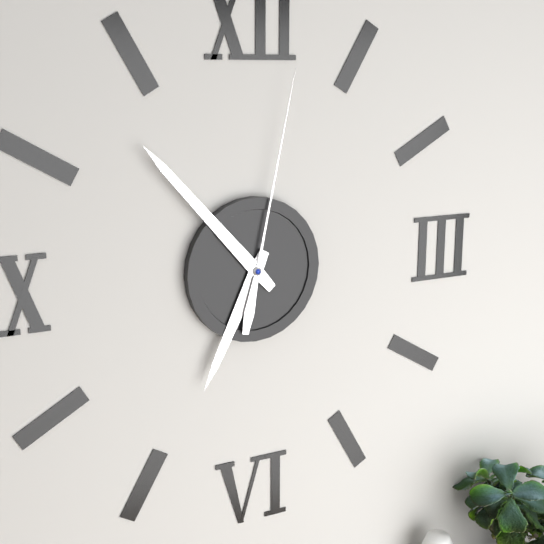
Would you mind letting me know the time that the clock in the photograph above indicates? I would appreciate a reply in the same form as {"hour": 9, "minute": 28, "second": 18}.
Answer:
{"hour": 6, "minute": 53, "second": 2}
